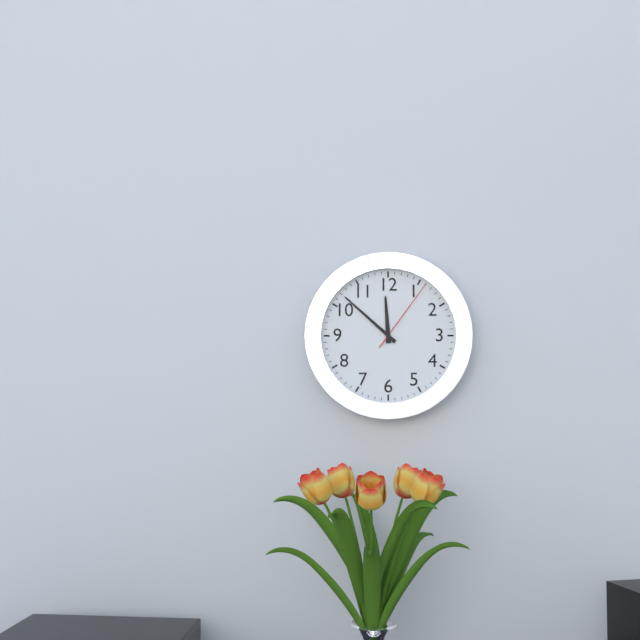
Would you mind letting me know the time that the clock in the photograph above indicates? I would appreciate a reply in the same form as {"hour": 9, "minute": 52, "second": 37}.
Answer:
{"hour": 11, "minute": 52, "second": 6}
